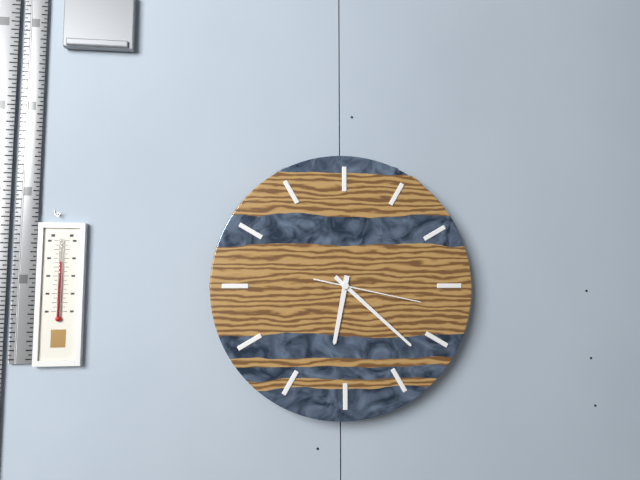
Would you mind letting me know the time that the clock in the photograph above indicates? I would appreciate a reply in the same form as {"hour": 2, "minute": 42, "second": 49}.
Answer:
{"hour": 6, "minute": 22, "second": 17}
